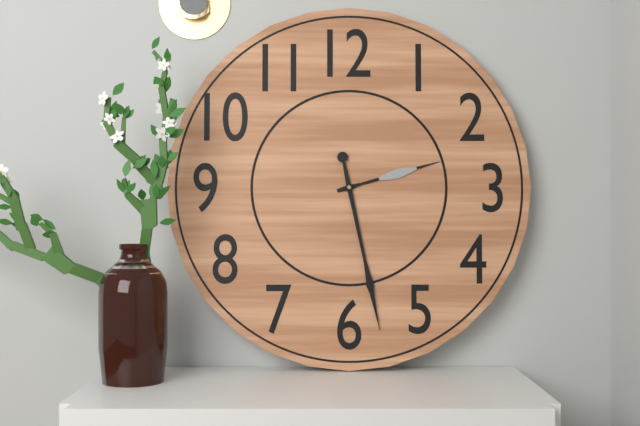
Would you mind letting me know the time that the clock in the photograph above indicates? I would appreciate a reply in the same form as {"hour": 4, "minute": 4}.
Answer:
{"hour": 2, "minute": 28}
